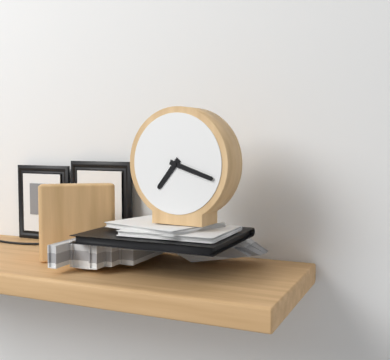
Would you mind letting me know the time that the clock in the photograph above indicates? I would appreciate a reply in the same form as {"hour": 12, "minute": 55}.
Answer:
{"hour": 7, "minute": 18}
